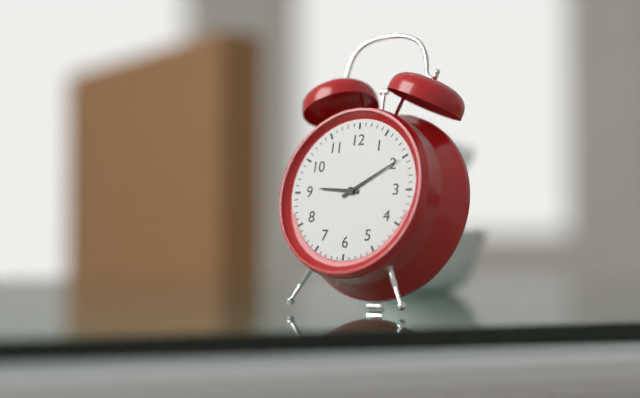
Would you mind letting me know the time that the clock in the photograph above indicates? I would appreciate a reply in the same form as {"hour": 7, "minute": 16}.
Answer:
{"hour": 9, "minute": 10}
